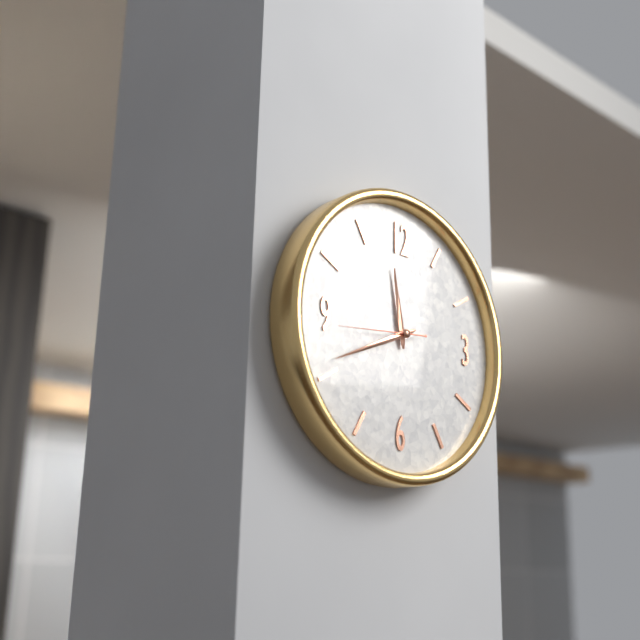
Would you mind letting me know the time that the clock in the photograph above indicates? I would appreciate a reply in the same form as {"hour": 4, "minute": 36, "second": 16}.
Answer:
{"hour": 11, "minute": 41, "second": 44}
